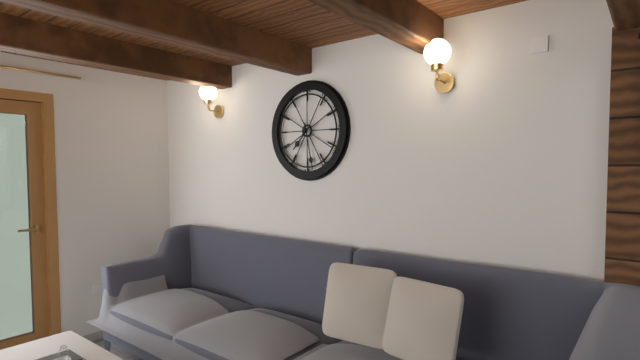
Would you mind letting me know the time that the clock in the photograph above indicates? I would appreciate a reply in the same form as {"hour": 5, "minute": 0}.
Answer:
{"hour": 7, "minute": 28}
